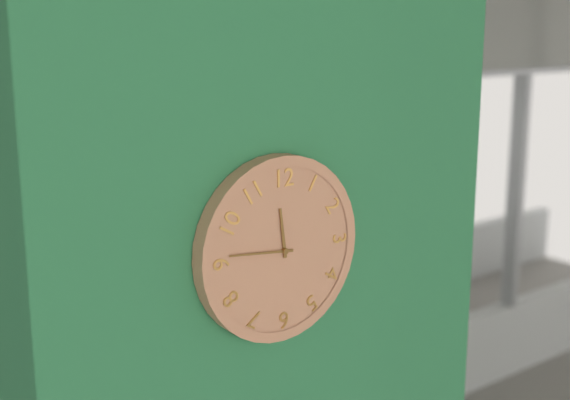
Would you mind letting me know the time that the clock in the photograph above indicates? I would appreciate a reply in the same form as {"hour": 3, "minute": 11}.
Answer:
{"hour": 11, "minute": 46}
